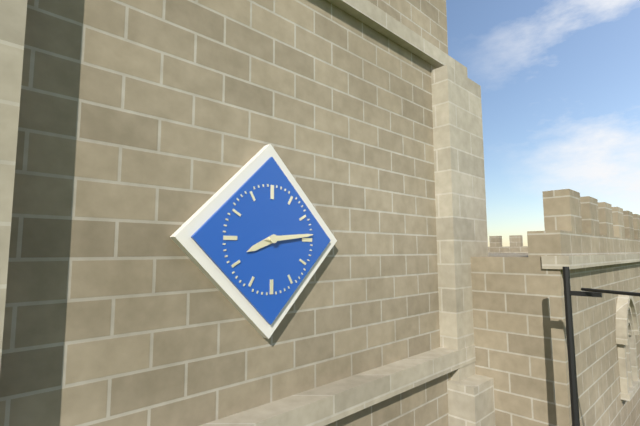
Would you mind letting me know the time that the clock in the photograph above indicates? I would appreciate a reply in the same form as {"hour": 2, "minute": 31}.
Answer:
{"hour": 8, "minute": 14}
